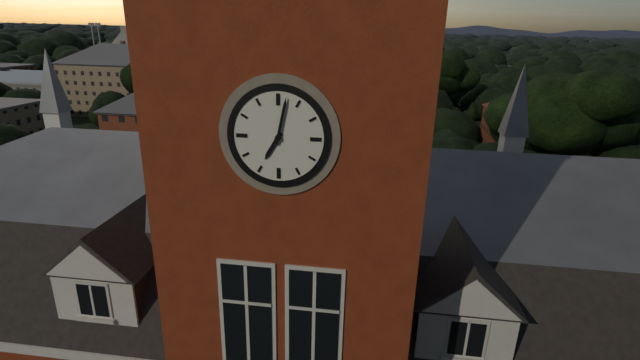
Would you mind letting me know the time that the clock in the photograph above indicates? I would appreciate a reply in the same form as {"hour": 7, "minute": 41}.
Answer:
{"hour": 7, "minute": 2}
